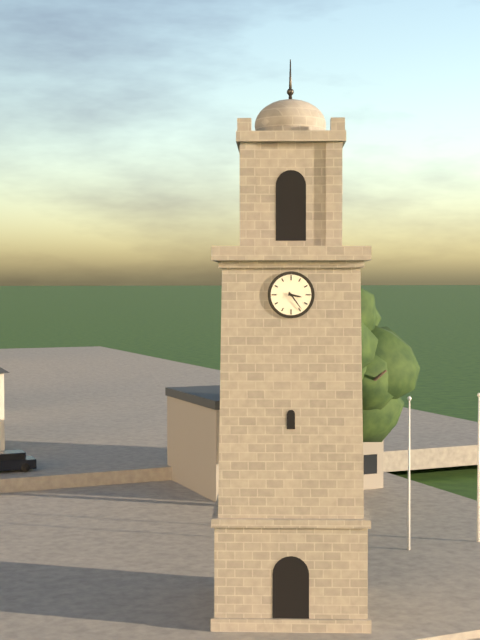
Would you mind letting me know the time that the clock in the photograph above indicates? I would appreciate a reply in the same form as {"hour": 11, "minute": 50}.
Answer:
{"hour": 3, "minute": 24}
